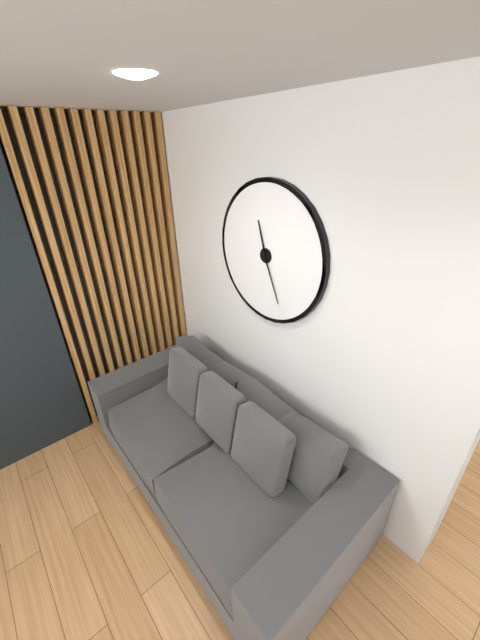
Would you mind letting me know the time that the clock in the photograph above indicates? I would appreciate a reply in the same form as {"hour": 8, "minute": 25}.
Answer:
{"hour": 11, "minute": 26}
